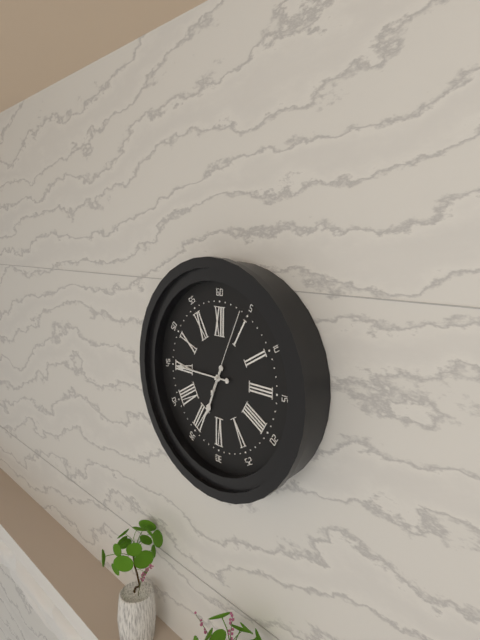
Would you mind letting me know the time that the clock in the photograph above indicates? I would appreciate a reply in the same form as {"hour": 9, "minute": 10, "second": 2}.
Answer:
{"hour": 6, "minute": 45, "second": 4}
